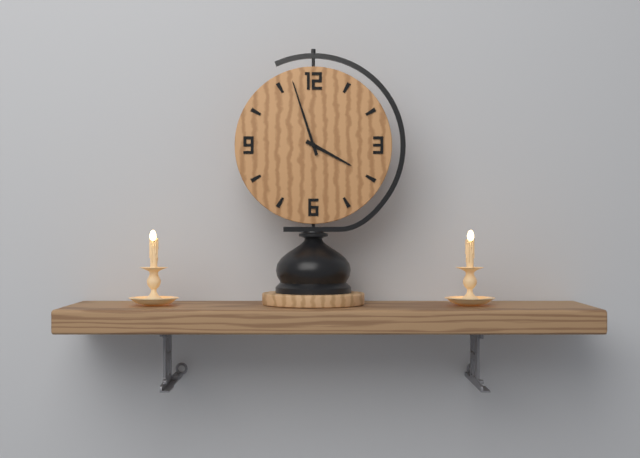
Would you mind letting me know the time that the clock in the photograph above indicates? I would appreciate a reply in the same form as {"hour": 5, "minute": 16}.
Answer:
{"hour": 3, "minute": 57}
